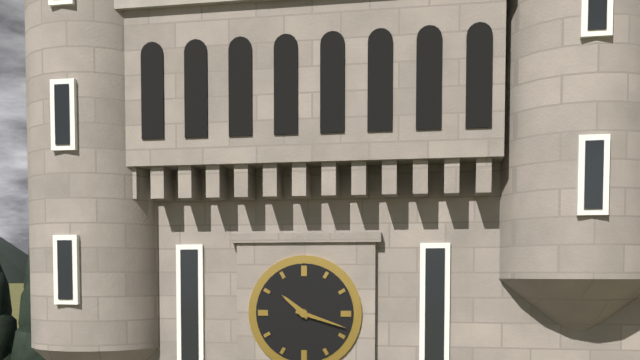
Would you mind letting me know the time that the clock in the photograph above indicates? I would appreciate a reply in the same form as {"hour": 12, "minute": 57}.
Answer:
{"hour": 10, "minute": 18}
